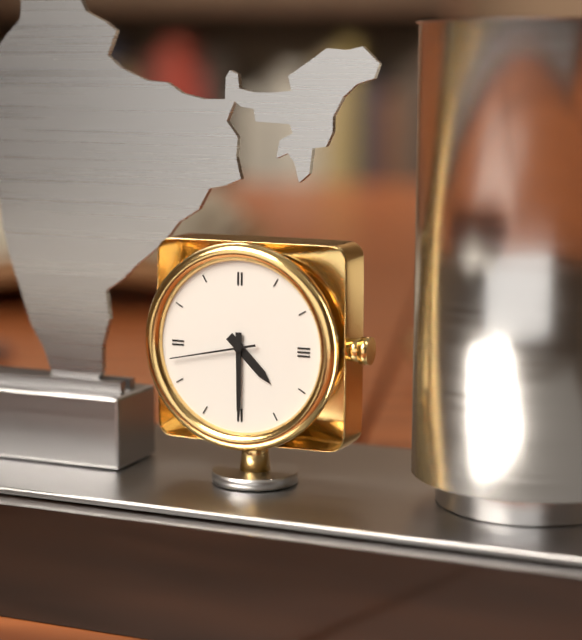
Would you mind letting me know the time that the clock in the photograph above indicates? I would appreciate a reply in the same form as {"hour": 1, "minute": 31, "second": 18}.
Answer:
{"hour": 4, "minute": 30, "second": 43}
